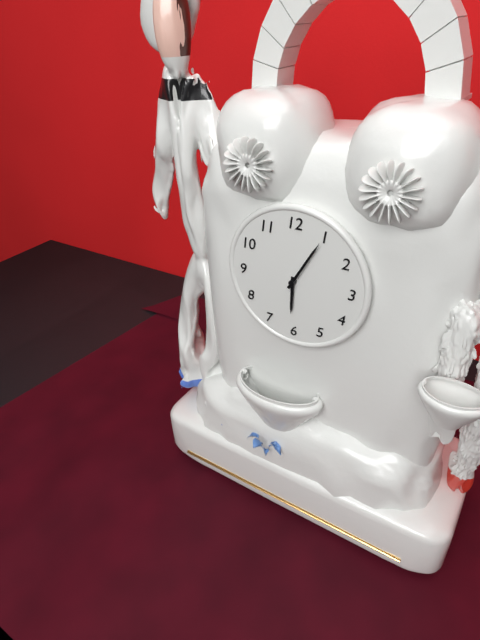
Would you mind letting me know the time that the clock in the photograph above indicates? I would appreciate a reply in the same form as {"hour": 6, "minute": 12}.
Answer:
{"hour": 6, "minute": 5}
